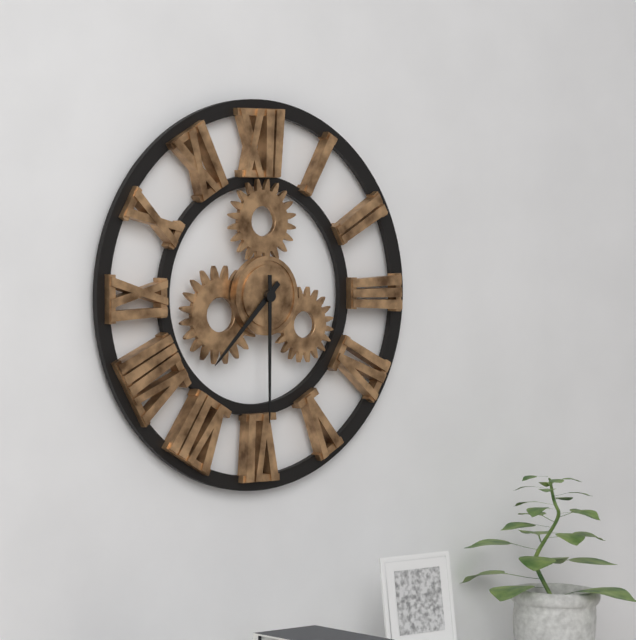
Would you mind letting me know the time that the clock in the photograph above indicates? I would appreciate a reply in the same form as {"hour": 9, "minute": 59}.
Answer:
{"hour": 7, "minute": 30}
